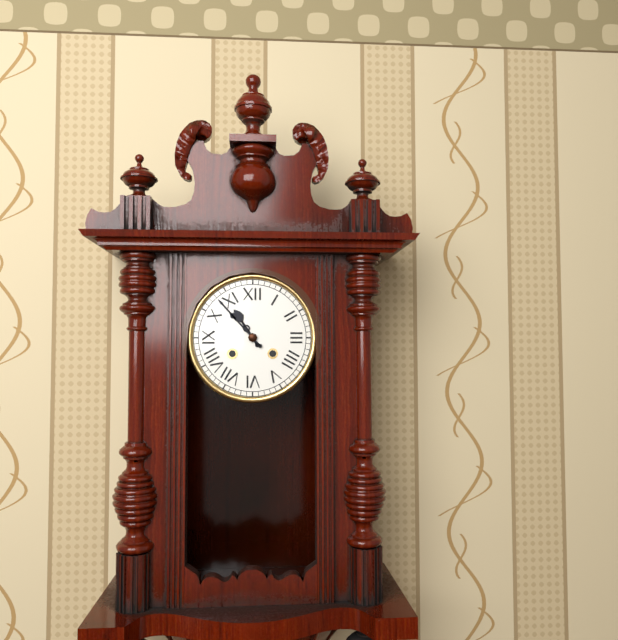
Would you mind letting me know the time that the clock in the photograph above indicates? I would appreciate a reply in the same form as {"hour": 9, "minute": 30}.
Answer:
{"hour": 10, "minute": 53}
